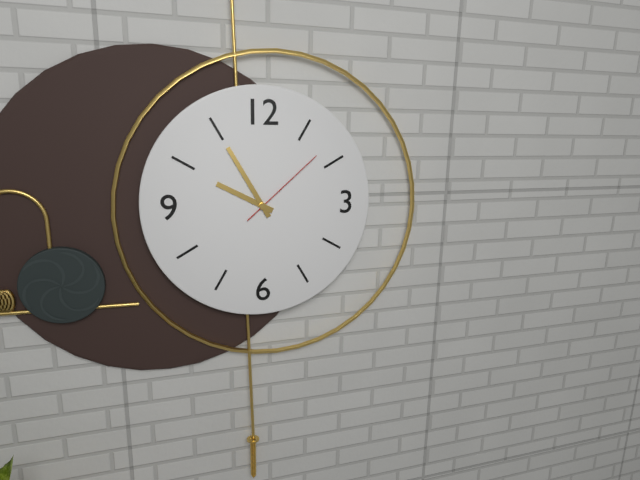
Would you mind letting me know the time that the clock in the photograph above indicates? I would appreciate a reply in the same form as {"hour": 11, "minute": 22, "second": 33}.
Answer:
{"hour": 9, "minute": 55, "second": 8}
